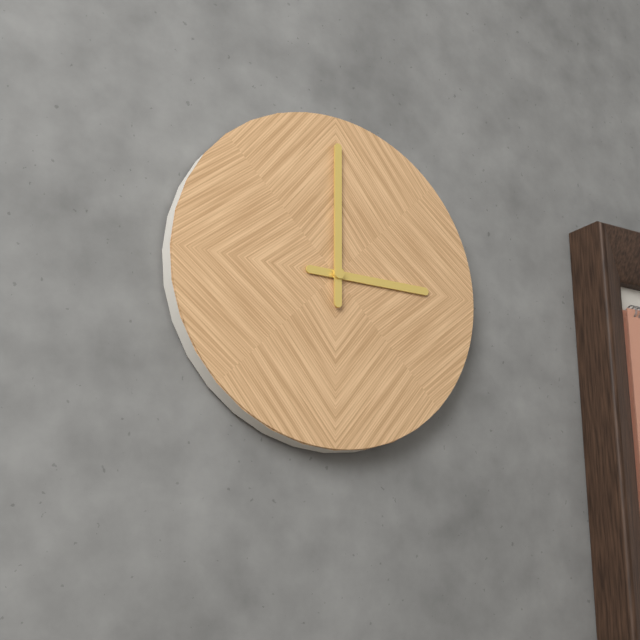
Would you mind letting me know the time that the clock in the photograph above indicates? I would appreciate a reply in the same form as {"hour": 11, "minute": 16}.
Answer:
{"hour": 3, "minute": 0}
